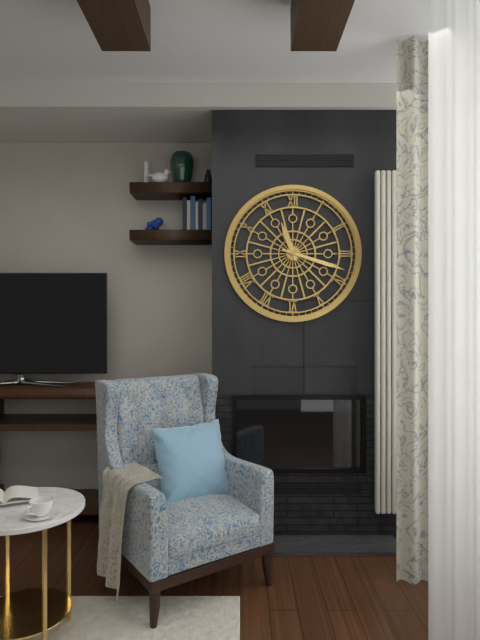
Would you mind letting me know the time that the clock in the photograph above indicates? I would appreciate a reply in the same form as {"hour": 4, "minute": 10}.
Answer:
{"hour": 11, "minute": 18}
